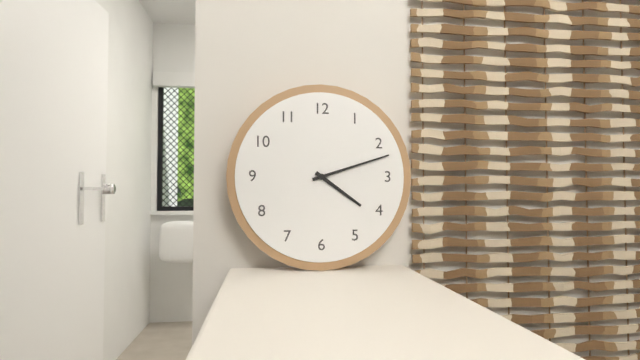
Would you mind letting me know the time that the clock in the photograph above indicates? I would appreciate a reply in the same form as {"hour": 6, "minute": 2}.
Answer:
{"hour": 4, "minute": 12}
